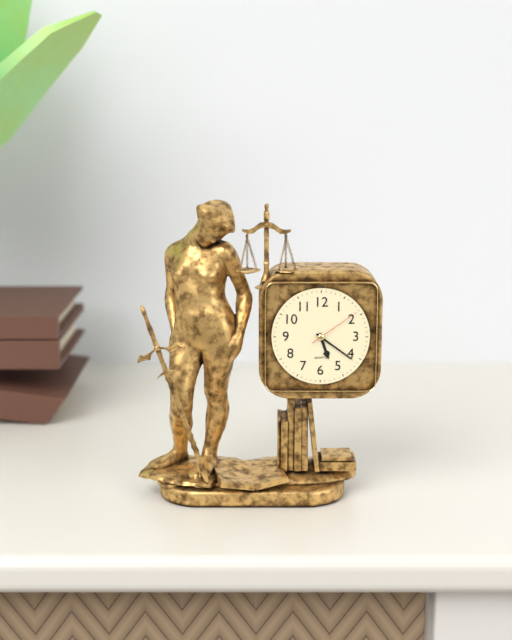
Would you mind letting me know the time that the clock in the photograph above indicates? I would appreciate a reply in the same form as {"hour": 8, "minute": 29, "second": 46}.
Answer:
{"hour": 5, "minute": 21, "second": 9}
